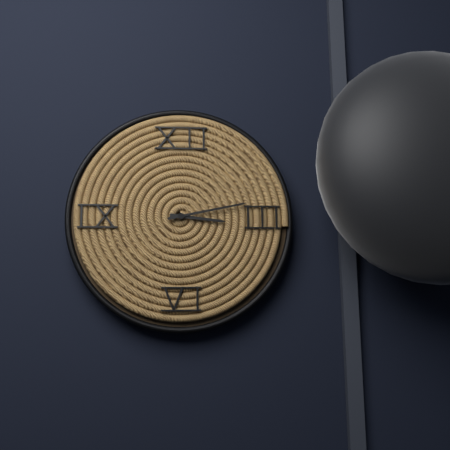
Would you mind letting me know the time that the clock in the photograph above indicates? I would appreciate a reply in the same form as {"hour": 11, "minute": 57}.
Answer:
{"hour": 3, "minute": 13}
